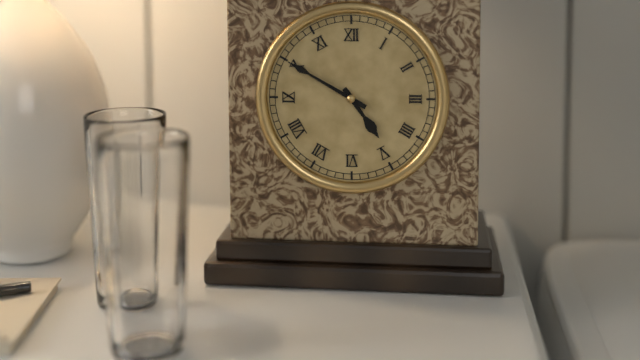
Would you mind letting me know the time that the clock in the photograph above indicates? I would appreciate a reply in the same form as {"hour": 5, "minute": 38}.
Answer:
{"hour": 4, "minute": 50}
